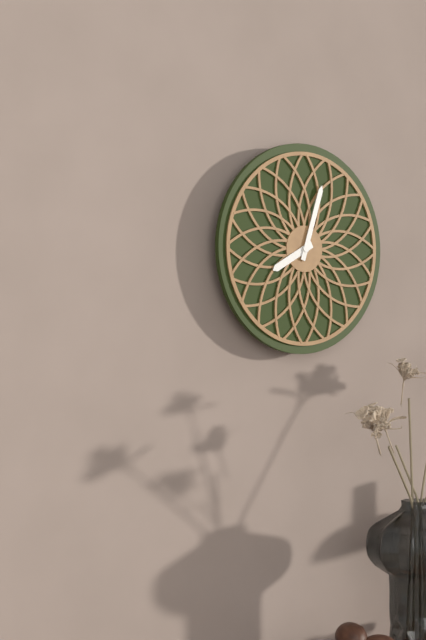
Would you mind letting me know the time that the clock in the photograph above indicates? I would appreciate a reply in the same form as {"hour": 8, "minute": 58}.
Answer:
{"hour": 8, "minute": 3}
